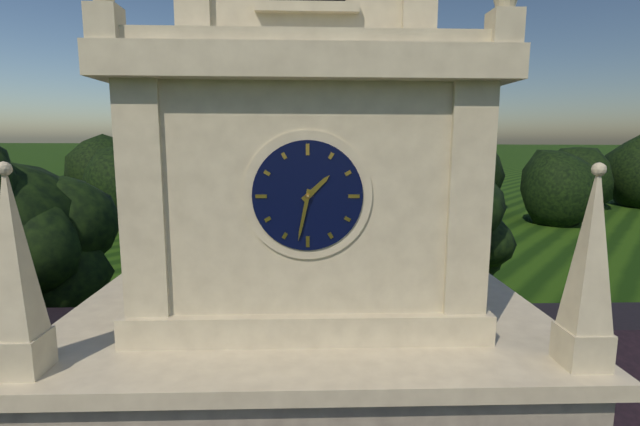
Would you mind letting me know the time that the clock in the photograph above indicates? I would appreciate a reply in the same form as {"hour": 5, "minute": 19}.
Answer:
{"hour": 1, "minute": 32}
